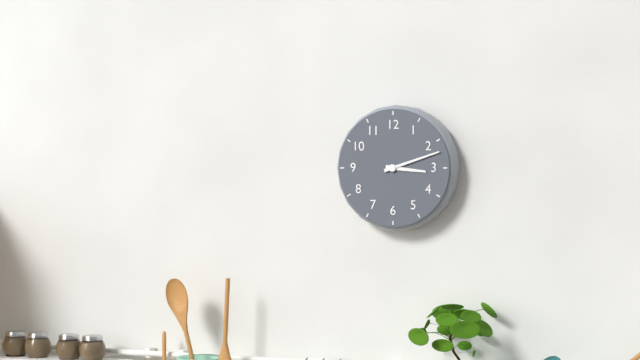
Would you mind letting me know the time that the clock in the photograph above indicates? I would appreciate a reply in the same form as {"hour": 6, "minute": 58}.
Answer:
{"hour": 3, "minute": 12}
